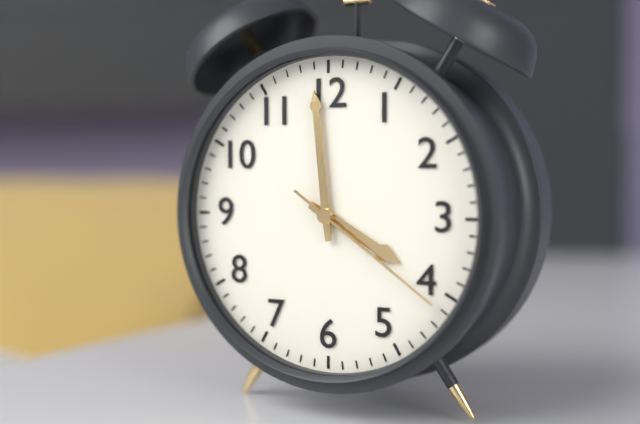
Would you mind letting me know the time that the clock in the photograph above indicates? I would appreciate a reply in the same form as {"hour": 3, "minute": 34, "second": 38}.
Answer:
{"hour": 3, "minute": 59, "second": 21}
